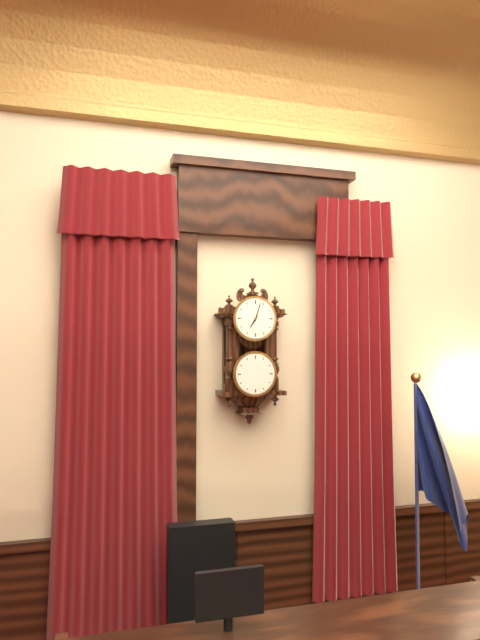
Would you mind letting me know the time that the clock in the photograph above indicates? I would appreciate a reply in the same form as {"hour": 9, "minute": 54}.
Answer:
{"hour": 7, "minute": 3}
